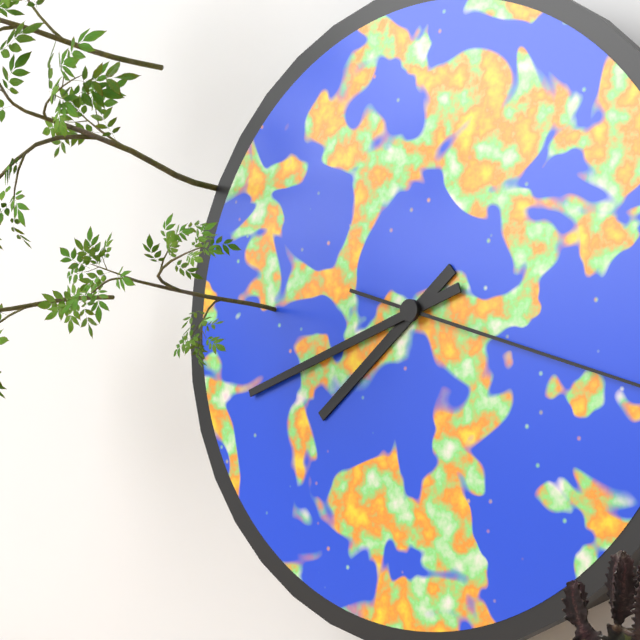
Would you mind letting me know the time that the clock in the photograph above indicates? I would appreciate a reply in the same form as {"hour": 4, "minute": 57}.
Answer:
{"hour": 7, "minute": 42}
